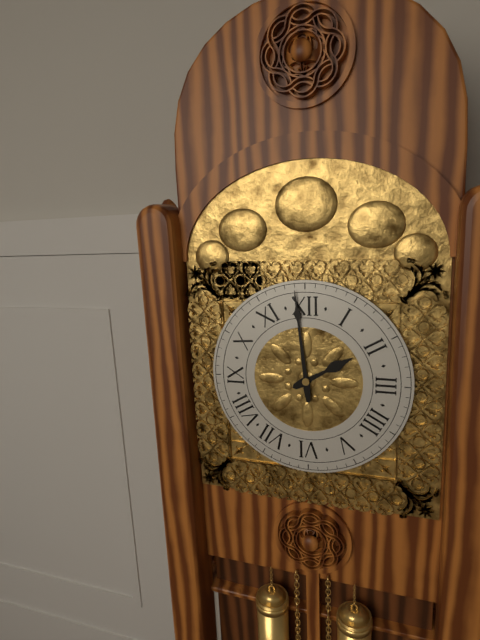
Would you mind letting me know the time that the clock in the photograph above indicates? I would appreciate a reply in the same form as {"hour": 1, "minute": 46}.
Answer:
{"hour": 1, "minute": 59}
